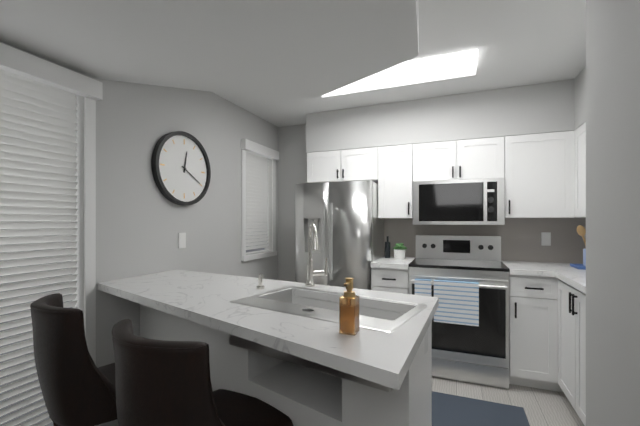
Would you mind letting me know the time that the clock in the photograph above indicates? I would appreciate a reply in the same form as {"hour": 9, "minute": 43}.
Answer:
{"hour": 12, "minute": 20}
